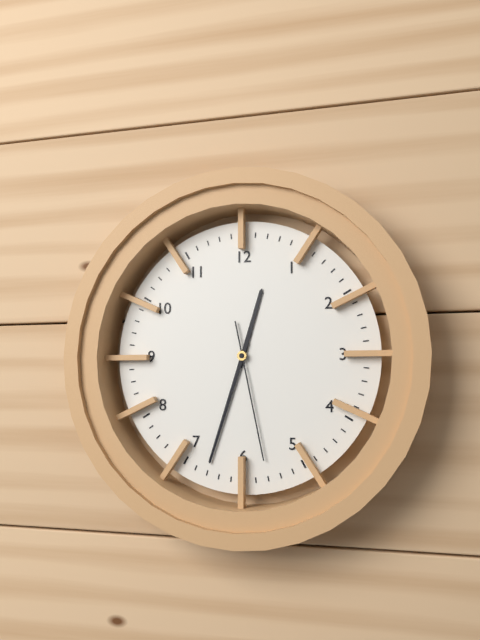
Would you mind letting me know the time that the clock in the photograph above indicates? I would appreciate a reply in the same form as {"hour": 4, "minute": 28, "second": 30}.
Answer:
{"hour": 12, "minute": 33, "second": 28}
